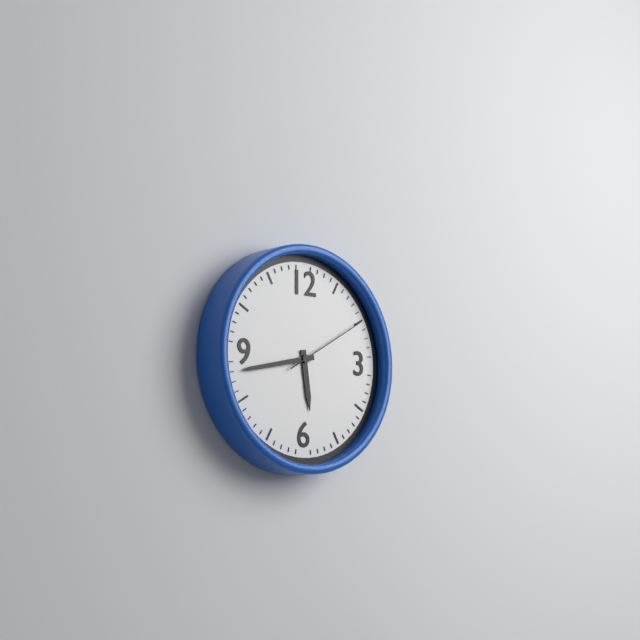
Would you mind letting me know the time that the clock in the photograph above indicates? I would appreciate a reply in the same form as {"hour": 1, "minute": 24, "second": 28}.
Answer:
{"hour": 5, "minute": 43, "second": 10}
